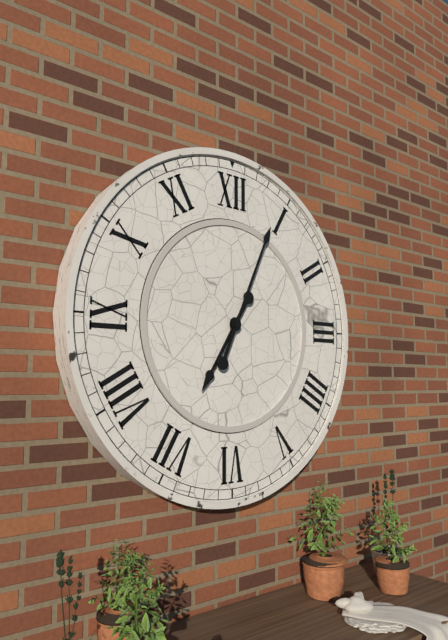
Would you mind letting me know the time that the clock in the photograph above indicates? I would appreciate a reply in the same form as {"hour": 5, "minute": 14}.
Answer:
{"hour": 7, "minute": 4}
